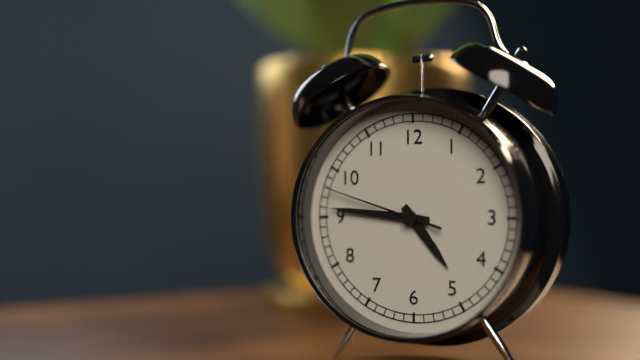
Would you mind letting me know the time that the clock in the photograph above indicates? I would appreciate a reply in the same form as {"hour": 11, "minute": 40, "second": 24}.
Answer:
{"hour": 4, "minute": 46, "second": 48}
